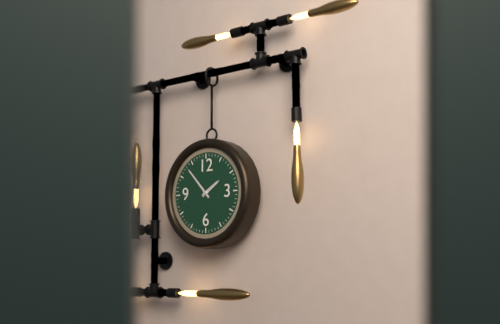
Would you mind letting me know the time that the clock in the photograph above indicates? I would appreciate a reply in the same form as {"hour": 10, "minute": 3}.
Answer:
{"hour": 1, "minute": 53}
